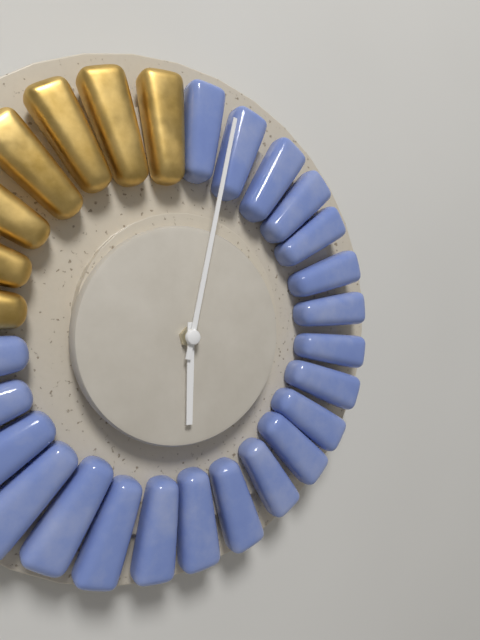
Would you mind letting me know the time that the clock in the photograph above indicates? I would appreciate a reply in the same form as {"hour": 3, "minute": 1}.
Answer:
{"hour": 6, "minute": 2}
